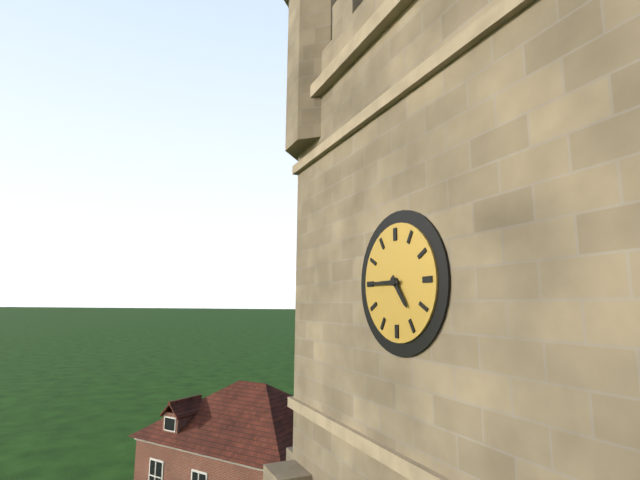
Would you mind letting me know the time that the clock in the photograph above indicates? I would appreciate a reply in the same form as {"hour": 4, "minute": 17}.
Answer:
{"hour": 4, "minute": 45}
